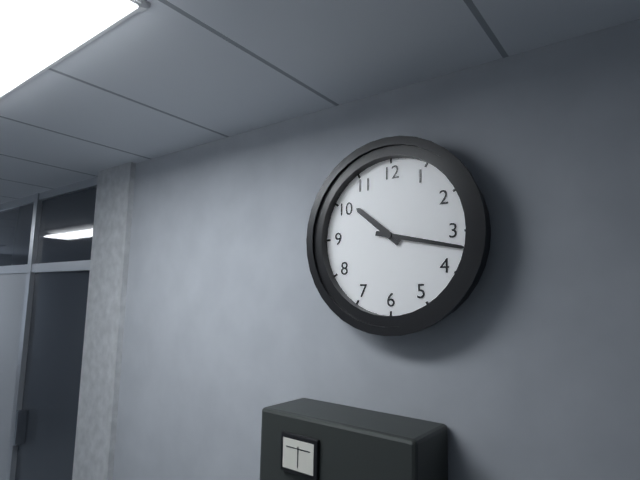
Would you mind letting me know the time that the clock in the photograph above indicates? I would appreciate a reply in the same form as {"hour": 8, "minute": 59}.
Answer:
{"hour": 10, "minute": 17}
